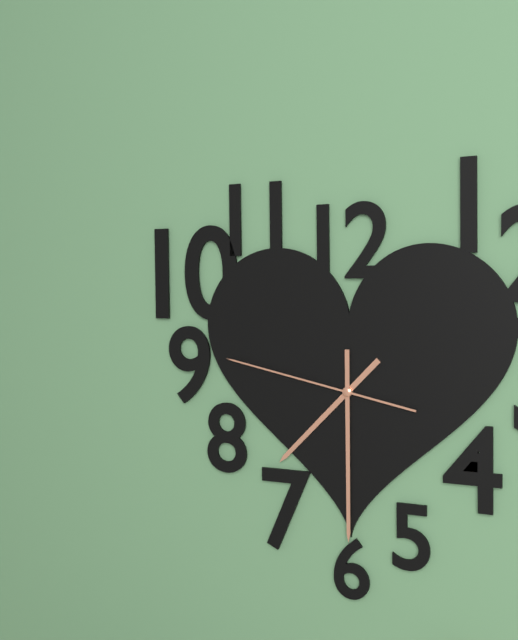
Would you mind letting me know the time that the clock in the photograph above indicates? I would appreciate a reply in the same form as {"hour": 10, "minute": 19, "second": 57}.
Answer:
{"hour": 7, "minute": 30, "second": 47}
